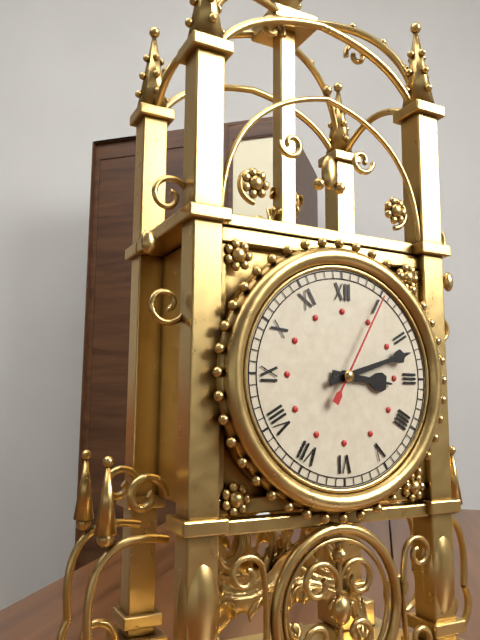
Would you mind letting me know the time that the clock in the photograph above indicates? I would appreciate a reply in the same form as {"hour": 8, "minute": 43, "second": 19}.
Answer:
{"hour": 3, "minute": 12, "second": 5}
